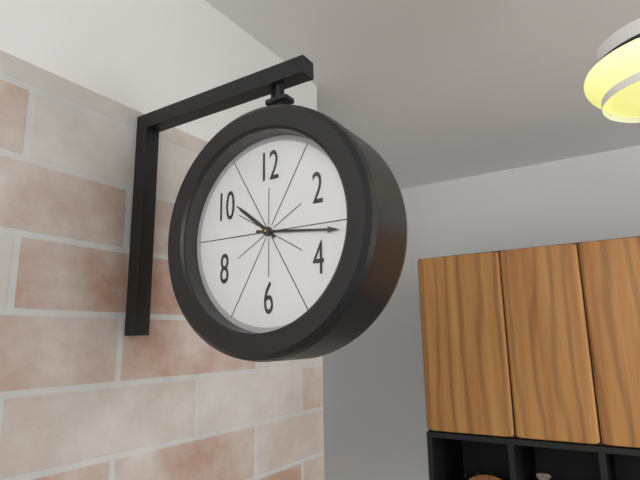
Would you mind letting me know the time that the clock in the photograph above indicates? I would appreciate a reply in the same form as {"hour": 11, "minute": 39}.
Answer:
{"hour": 10, "minute": 16}
